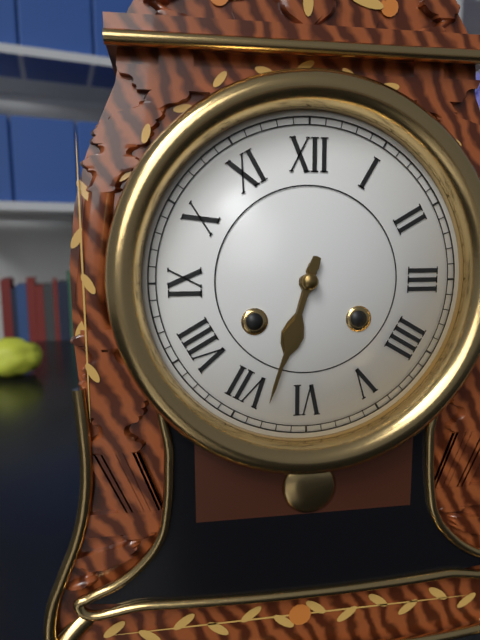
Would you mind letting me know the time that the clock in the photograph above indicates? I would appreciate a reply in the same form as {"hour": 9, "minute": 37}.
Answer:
{"hour": 6, "minute": 33}
